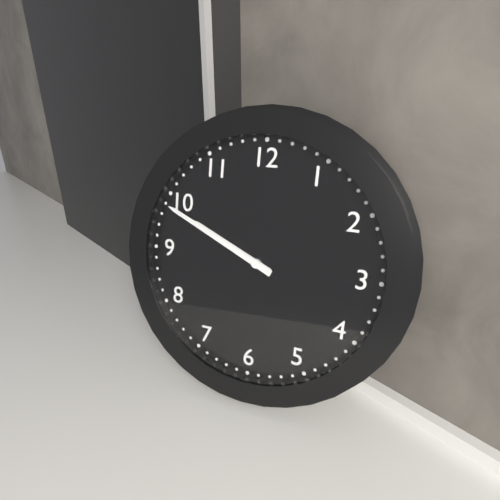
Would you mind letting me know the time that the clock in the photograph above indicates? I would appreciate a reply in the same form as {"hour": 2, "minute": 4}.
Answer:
{"hour": 9, "minute": 49}
